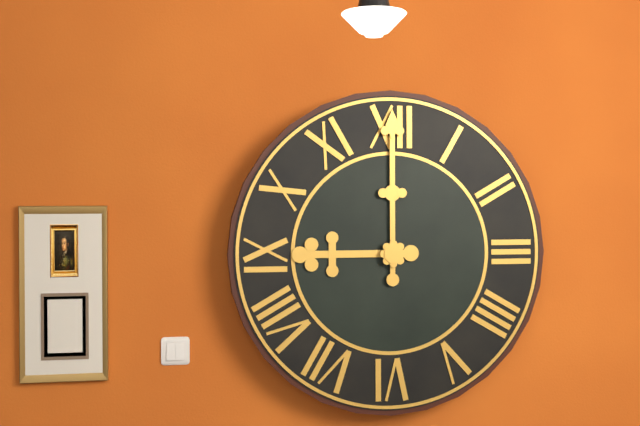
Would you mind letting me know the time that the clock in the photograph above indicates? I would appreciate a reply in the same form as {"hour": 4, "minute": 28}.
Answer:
{"hour": 9, "minute": 0}
